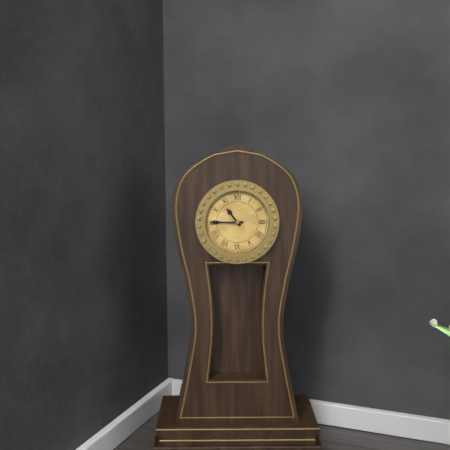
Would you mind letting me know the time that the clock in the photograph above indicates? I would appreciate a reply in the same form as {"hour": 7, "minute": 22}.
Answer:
{"hour": 10, "minute": 45}
